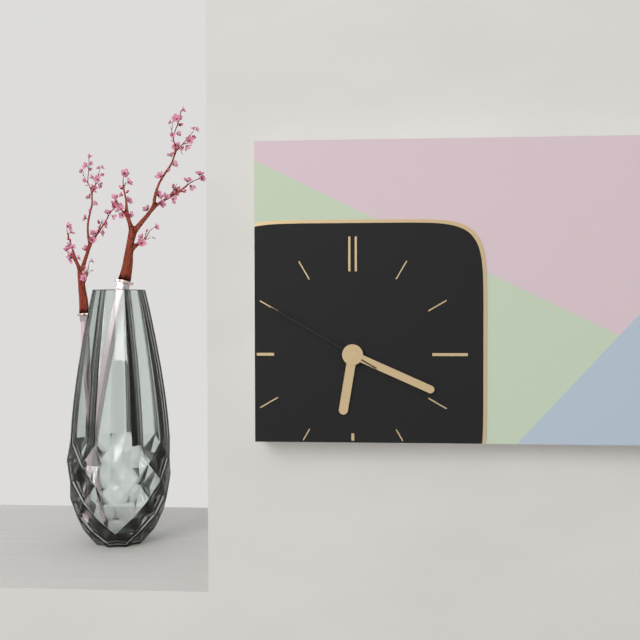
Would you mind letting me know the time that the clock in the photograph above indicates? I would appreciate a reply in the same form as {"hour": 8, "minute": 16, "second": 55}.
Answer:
{"hour": 6, "minute": 19, "second": 50}
